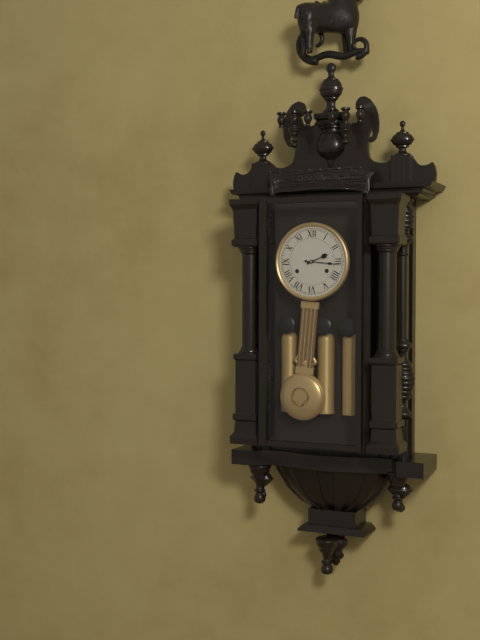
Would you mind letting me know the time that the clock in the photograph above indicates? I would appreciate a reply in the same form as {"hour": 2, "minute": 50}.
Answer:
{"hour": 2, "minute": 16}
